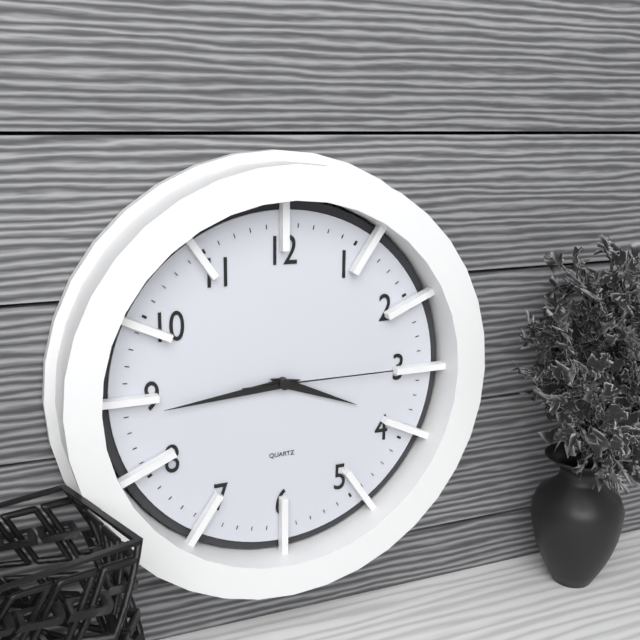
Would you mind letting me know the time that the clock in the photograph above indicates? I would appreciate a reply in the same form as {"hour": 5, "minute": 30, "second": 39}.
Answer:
{"hour": 3, "minute": 44, "second": 15}
